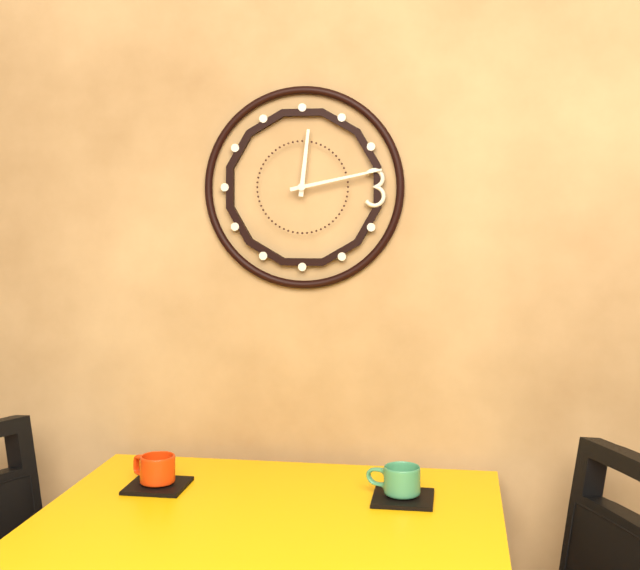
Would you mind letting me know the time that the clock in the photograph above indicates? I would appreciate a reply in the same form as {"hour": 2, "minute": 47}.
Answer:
{"hour": 12, "minute": 13}
